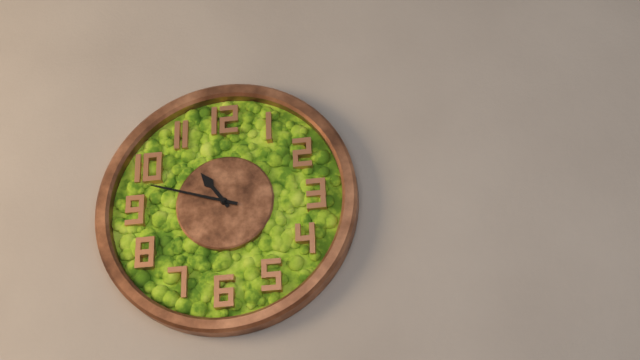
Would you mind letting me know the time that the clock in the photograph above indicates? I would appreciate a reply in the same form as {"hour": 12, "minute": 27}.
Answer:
{"hour": 10, "minute": 48}
